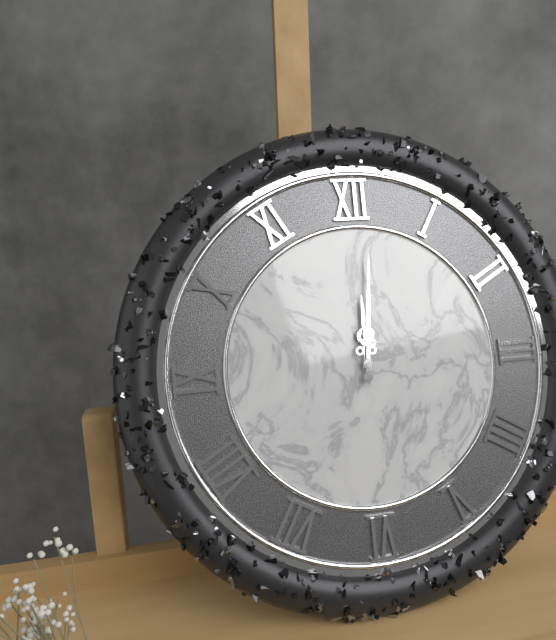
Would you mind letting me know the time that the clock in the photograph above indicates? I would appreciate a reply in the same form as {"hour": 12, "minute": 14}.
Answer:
{"hour": 12, "minute": 1}
